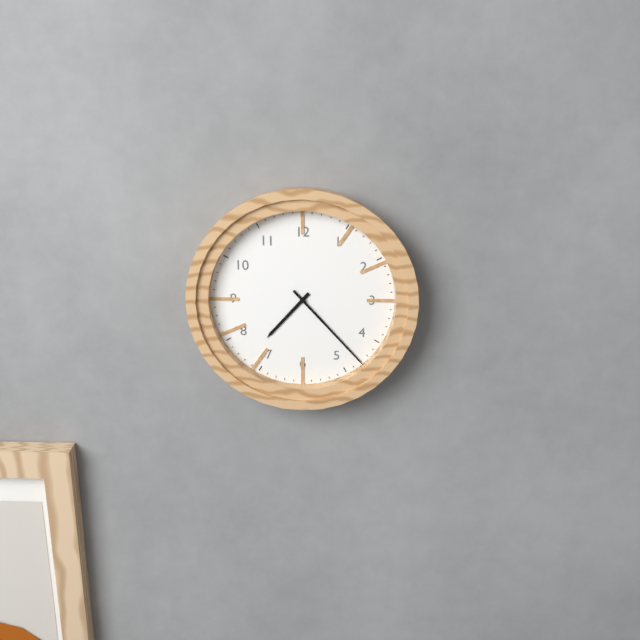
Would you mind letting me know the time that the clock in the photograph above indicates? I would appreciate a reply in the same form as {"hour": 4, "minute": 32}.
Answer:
{"hour": 7, "minute": 23}
